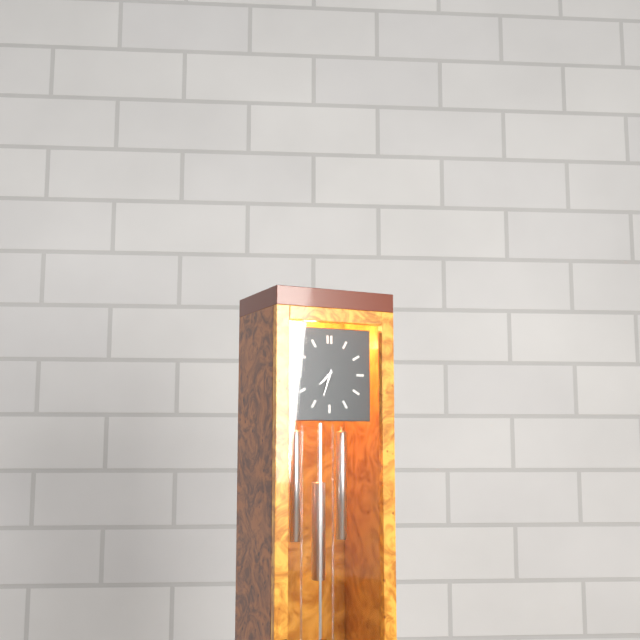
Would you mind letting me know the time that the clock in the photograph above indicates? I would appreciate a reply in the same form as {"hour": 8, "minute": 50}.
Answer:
{"hour": 7, "minute": 33}
